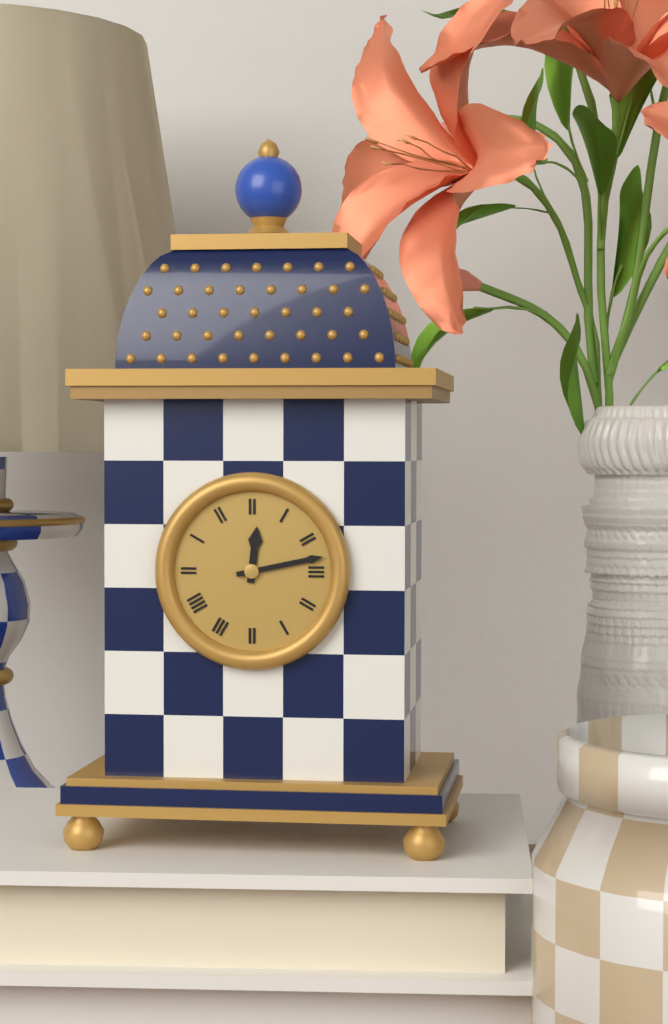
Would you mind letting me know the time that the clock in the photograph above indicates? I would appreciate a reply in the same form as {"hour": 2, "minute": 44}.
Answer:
{"hour": 12, "minute": 13}
